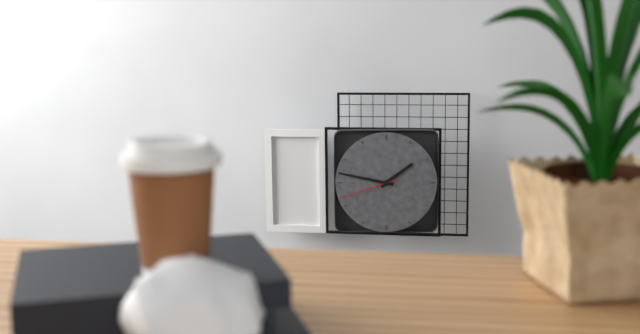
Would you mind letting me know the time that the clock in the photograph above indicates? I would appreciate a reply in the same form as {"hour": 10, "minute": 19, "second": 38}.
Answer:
{"hour": 1, "minute": 47, "second": 42}
